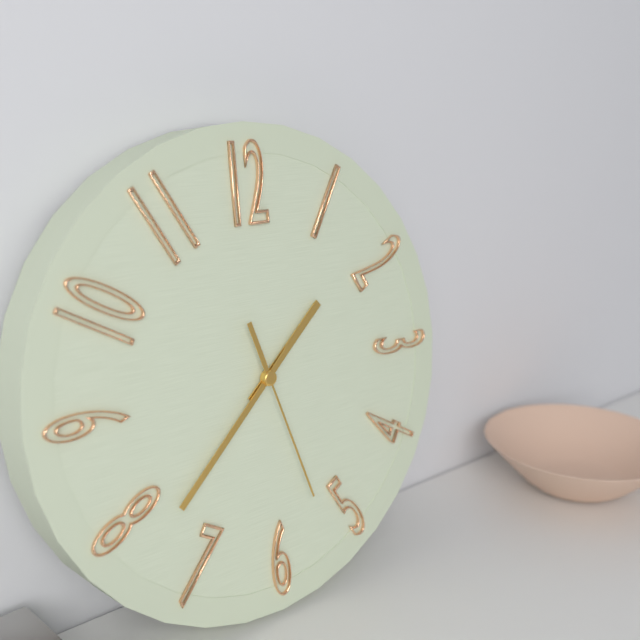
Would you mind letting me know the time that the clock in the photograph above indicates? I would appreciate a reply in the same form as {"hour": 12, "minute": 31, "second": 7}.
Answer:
{"hour": 1, "minute": 38, "second": 27}
